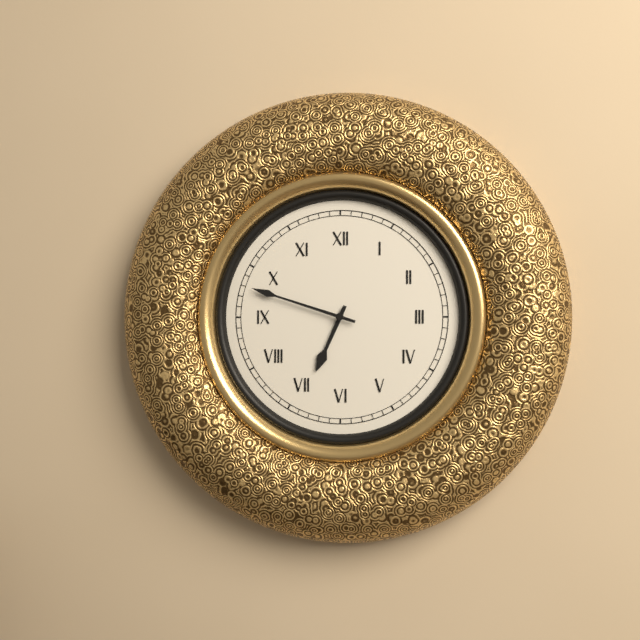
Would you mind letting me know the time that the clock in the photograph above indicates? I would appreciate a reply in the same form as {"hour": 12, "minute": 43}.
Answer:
{"hour": 6, "minute": 48}
